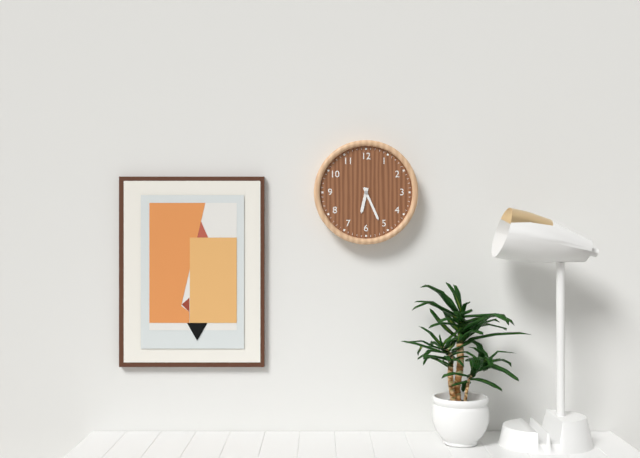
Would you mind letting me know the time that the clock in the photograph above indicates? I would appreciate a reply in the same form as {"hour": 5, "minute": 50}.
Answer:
{"hour": 6, "minute": 26}
